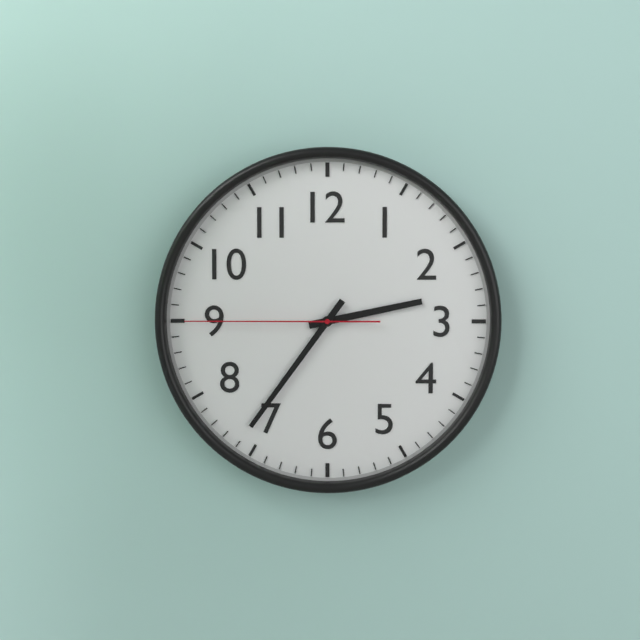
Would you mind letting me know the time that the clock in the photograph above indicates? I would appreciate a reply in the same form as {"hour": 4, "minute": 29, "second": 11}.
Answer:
{"hour": 2, "minute": 36, "second": 45}
